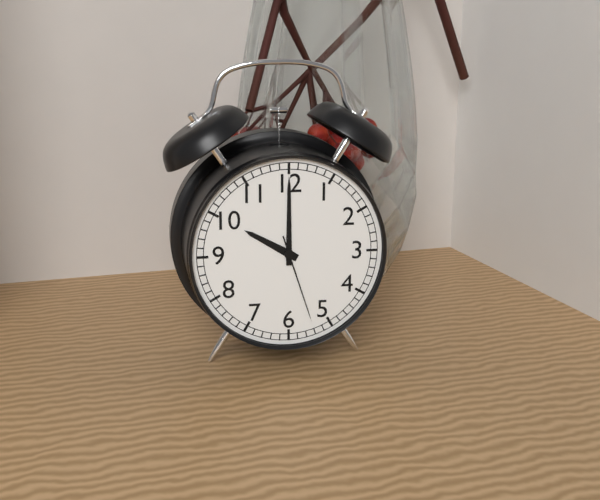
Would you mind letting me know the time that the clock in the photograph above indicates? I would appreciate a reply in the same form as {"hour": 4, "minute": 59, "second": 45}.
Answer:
{"hour": 10, "minute": 0, "second": 27}
